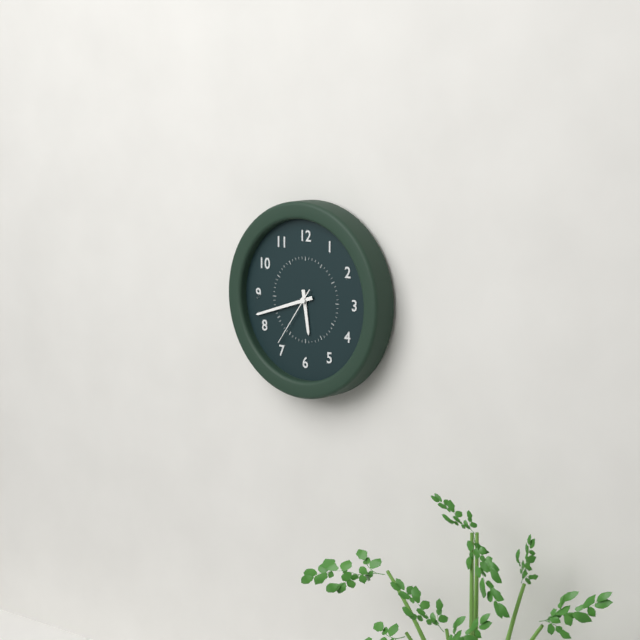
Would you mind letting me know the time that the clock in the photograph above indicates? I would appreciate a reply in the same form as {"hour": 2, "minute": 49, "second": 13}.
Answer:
{"hour": 5, "minute": 42, "second": 36}
